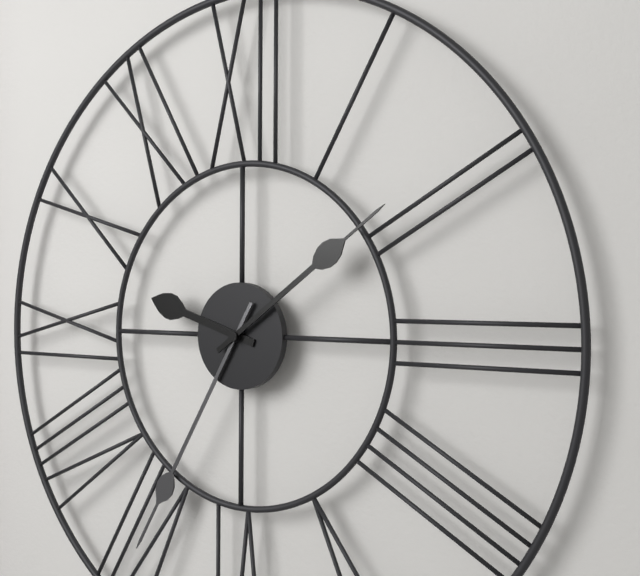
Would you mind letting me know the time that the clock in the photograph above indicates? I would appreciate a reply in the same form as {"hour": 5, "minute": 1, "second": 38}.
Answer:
{"hour": 9, "minute": 35, "second": 9}
